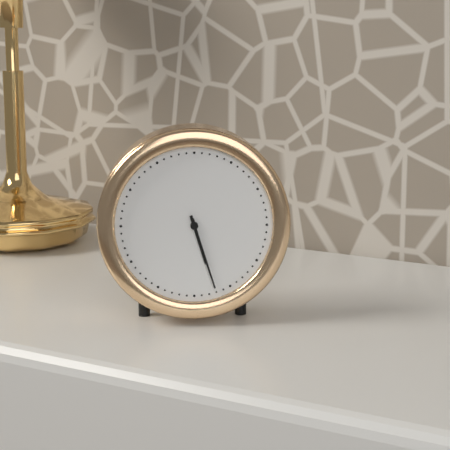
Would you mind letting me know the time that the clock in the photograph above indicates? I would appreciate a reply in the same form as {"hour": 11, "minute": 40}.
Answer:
{"hour": 5, "minute": 27}
